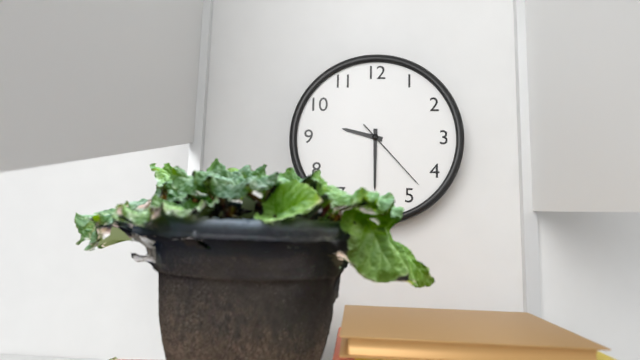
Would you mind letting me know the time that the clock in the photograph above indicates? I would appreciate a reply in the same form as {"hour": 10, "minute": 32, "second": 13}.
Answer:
{"hour": 9, "minute": 30, "second": 23}
